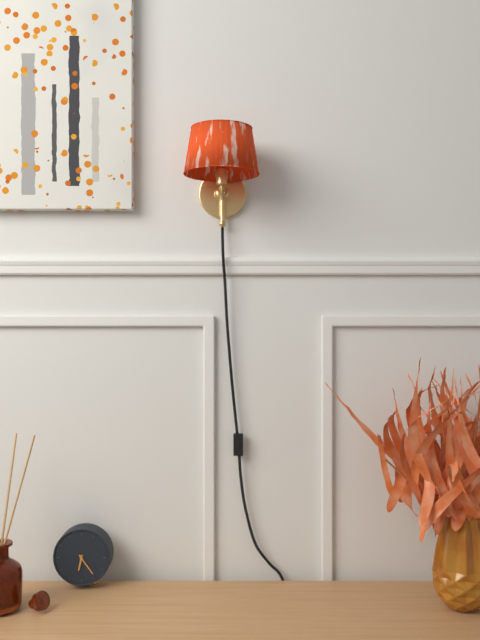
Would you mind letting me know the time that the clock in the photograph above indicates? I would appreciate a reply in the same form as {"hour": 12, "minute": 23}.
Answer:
{"hour": 6, "minute": 24}
